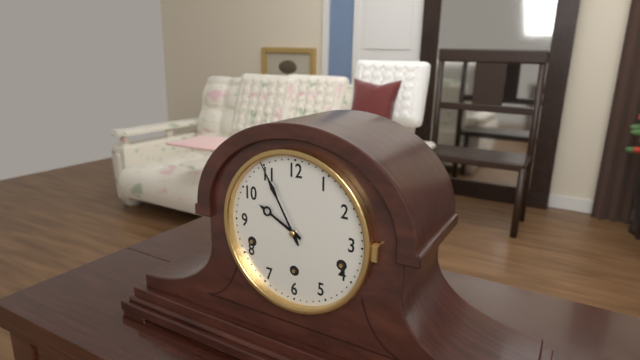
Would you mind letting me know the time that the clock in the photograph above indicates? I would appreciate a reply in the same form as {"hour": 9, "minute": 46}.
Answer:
{"hour": 9, "minute": 55}
